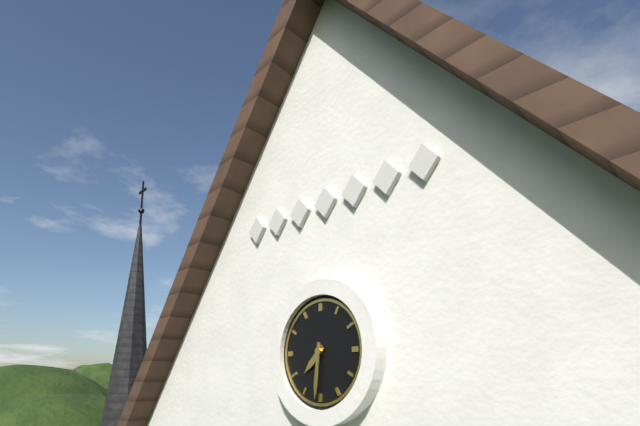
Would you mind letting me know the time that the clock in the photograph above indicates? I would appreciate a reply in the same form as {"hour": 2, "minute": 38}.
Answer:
{"hour": 7, "minute": 31}
